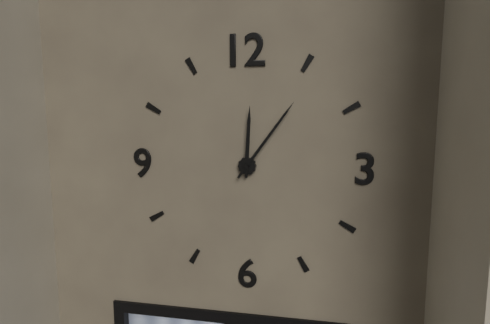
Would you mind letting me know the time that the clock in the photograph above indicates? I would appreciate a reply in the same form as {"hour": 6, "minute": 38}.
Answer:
{"hour": 12, "minute": 6}
